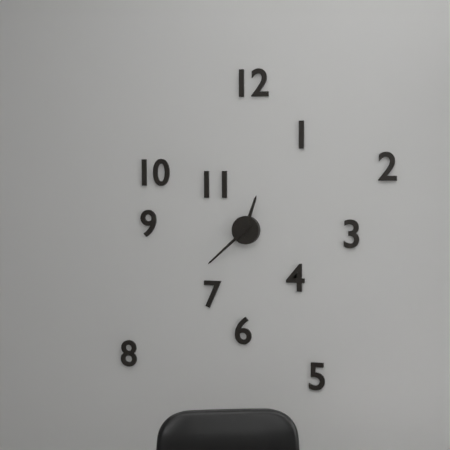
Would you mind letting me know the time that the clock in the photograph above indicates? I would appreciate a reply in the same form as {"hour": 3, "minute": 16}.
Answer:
{"hour": 12, "minute": 38}
